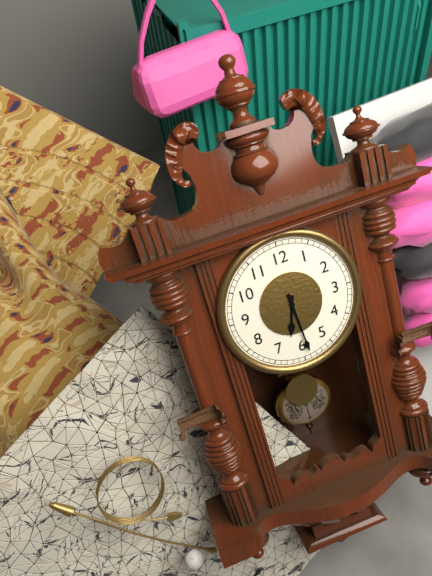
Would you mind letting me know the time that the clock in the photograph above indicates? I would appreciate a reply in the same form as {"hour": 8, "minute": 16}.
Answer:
{"hour": 6, "minute": 29}
